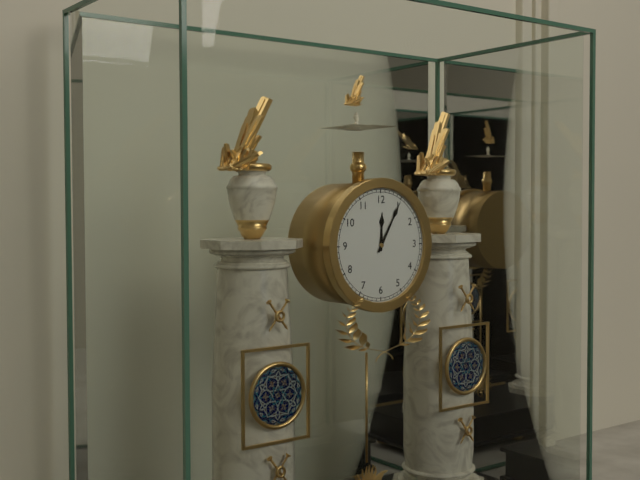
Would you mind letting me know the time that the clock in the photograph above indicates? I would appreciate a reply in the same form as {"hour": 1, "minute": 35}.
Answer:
{"hour": 12, "minute": 5}
